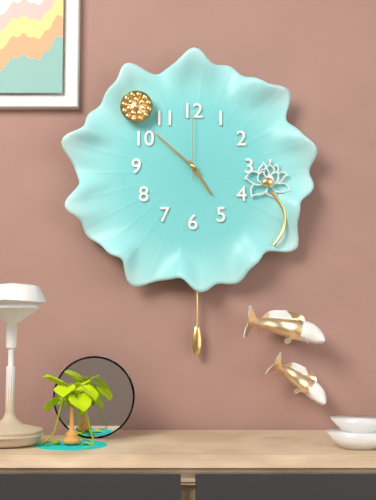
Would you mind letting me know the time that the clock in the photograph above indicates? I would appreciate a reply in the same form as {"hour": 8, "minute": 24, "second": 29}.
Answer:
{"hour": 4, "minute": 52, "second": 0}
